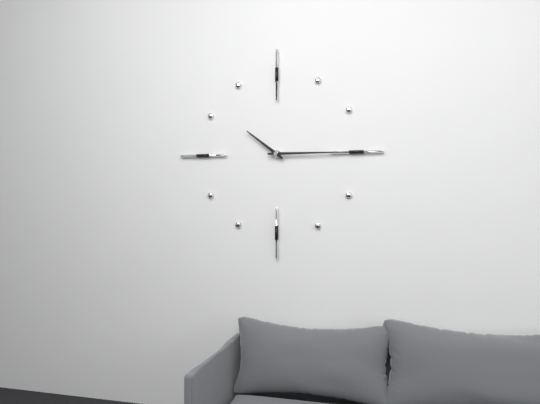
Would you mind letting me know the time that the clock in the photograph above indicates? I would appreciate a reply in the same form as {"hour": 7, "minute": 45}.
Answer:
{"hour": 10, "minute": 15}
